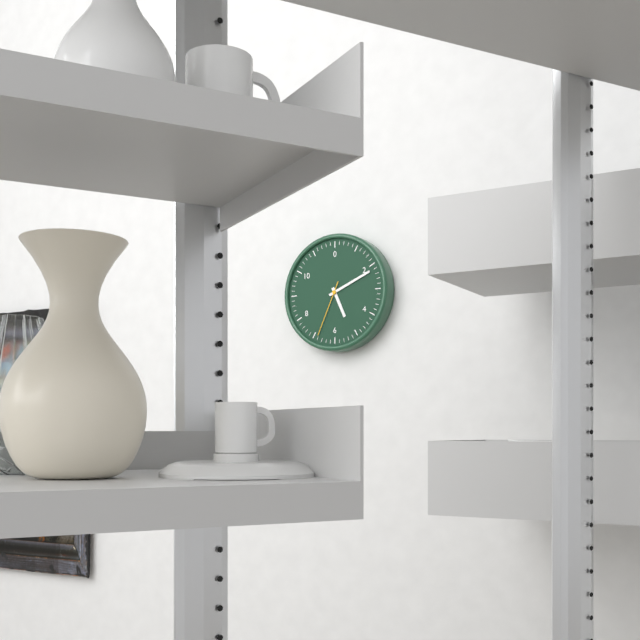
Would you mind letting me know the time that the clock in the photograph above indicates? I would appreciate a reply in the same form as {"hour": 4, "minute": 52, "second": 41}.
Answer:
{"hour": 5, "minute": 11, "second": 34}
